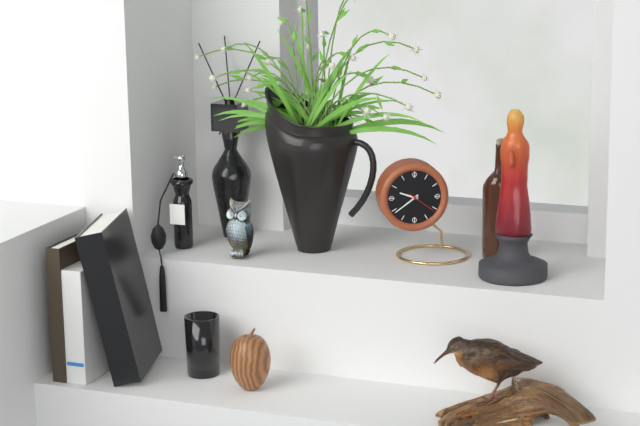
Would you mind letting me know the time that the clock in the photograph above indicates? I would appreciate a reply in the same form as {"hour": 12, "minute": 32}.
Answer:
{"hour": 9, "minute": 39}
